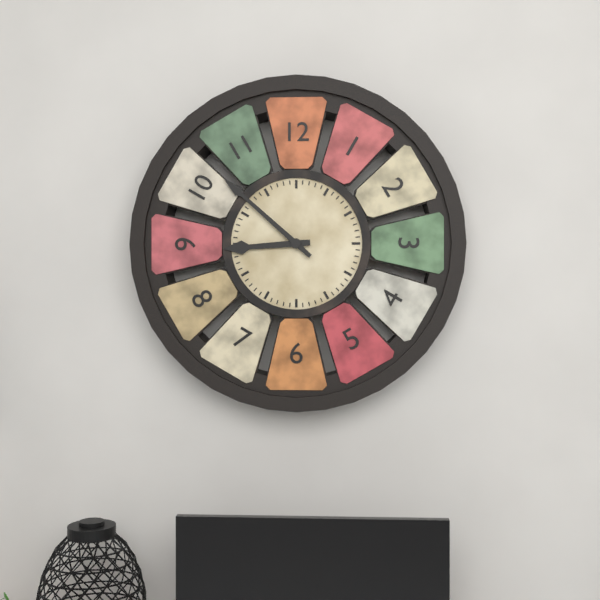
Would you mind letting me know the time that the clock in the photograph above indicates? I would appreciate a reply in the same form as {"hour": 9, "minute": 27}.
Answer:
{"hour": 8, "minute": 52}
